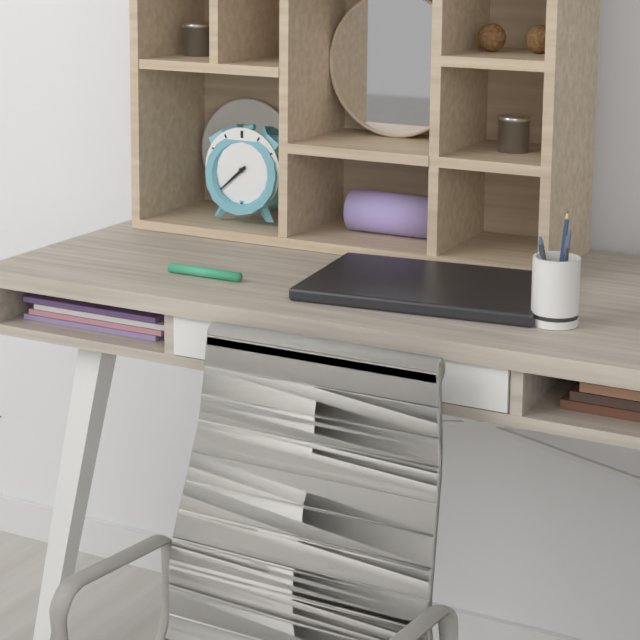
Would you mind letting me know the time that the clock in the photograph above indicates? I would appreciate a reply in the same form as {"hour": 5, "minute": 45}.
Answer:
{"hour": 7, "minute": 38}
